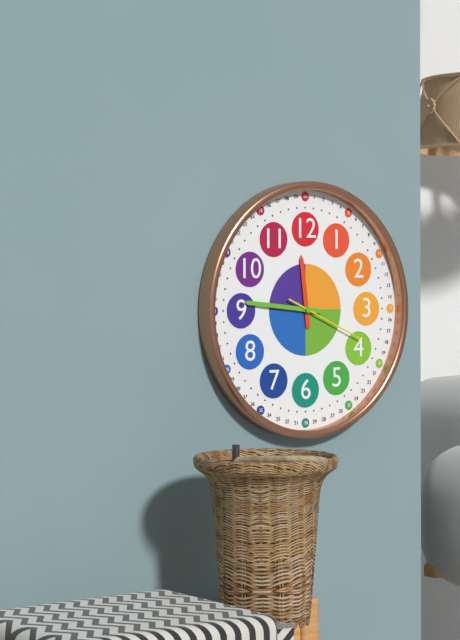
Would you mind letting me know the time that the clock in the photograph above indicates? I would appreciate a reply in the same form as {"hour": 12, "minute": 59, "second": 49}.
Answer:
{"hour": 11, "minute": 46, "second": 19}
